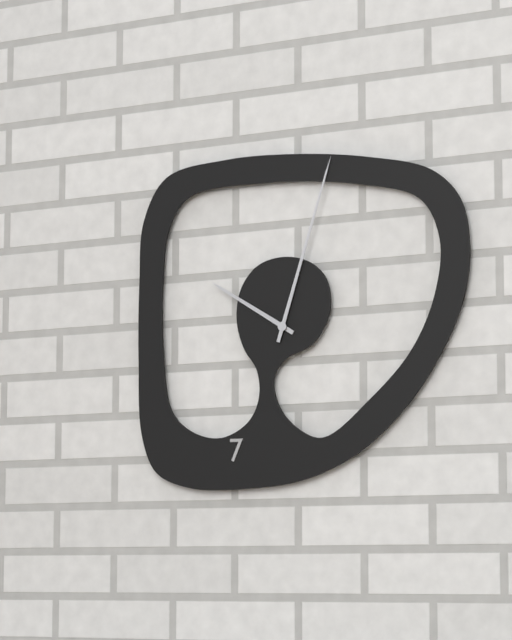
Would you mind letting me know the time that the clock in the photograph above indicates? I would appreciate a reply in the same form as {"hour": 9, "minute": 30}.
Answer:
{"hour": 10, "minute": 3}
